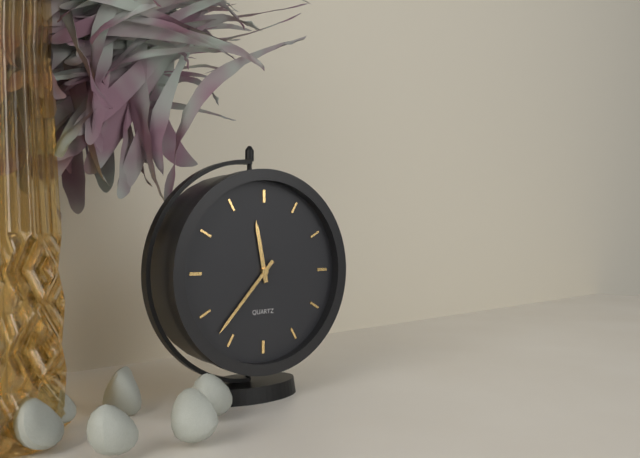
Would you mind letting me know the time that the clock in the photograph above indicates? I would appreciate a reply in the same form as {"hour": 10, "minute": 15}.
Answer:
{"hour": 11, "minute": 37}
